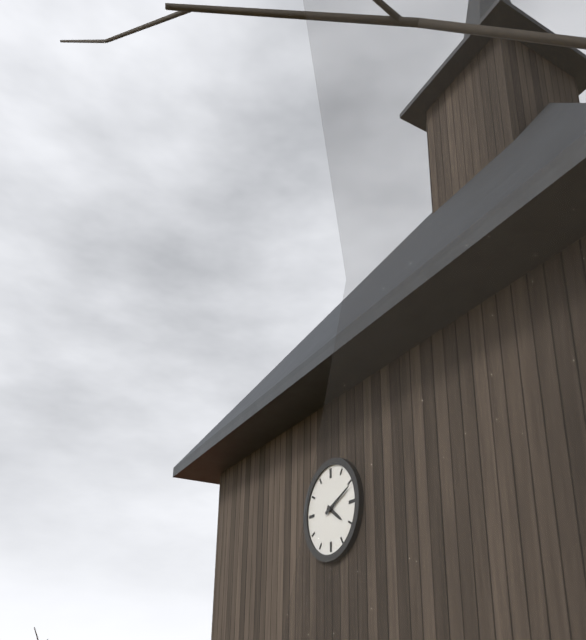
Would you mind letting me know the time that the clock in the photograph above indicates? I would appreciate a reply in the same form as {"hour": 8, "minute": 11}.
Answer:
{"hour": 4, "minute": 11}
